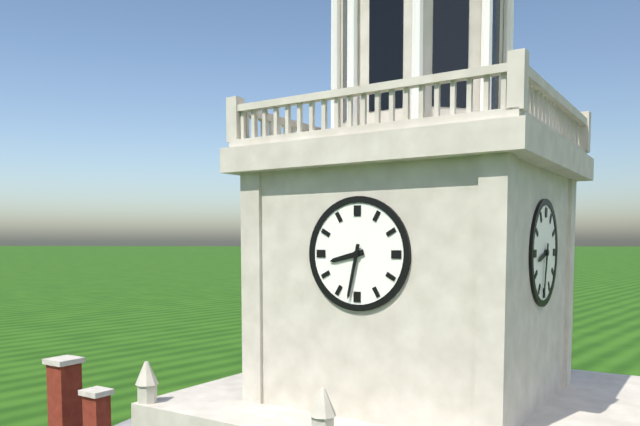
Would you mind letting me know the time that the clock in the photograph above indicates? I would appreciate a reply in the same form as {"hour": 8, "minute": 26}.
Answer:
{"hour": 8, "minute": 32}
